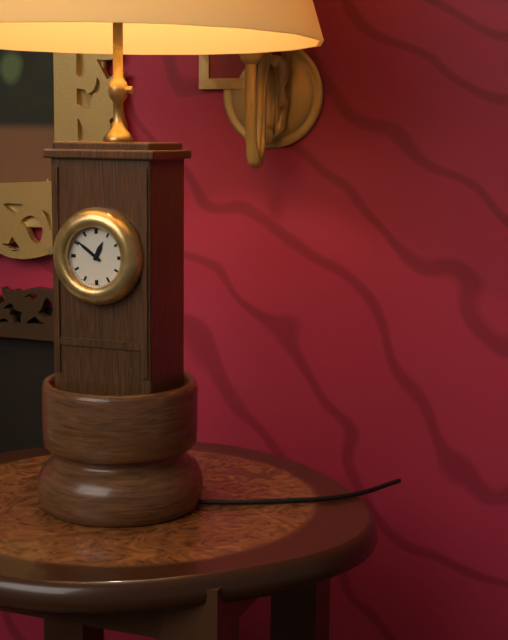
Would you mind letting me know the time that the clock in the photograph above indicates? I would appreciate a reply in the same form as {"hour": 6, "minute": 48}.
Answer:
{"hour": 12, "minute": 51}
